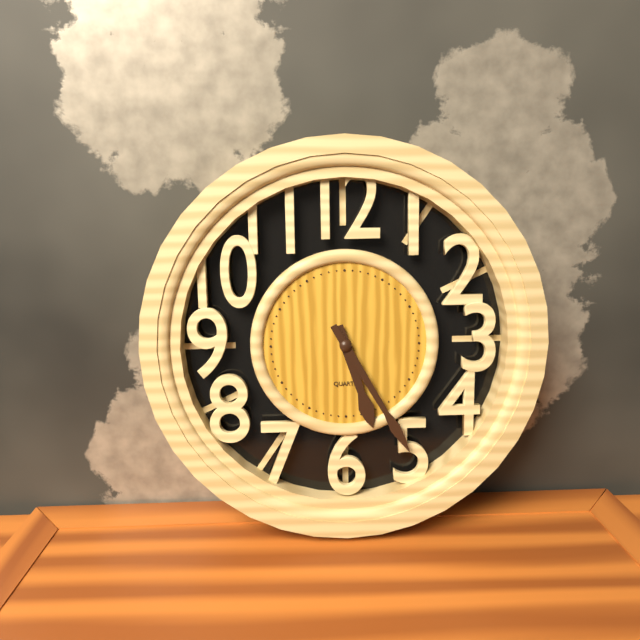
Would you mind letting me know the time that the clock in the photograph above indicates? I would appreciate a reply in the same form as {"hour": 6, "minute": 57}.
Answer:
{"hour": 5, "minute": 25}
